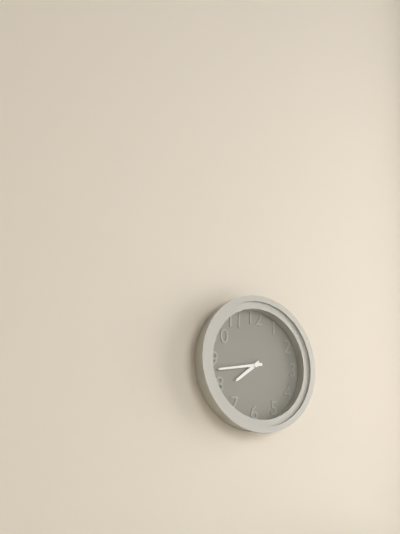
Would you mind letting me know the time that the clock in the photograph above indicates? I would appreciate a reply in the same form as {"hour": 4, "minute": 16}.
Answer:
{"hour": 7, "minute": 43}
